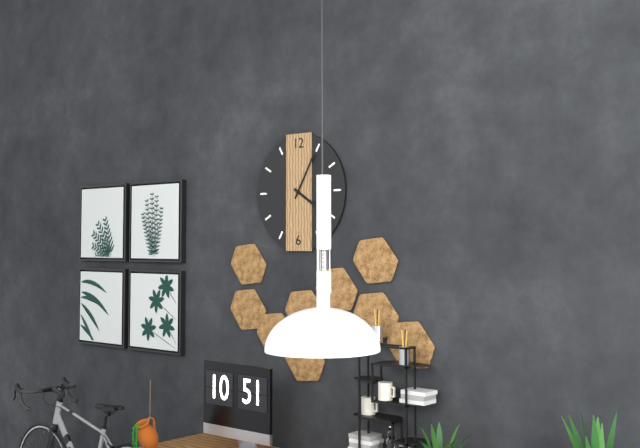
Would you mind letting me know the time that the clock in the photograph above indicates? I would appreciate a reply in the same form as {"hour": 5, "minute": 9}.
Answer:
{"hour": 4, "minute": 5}
